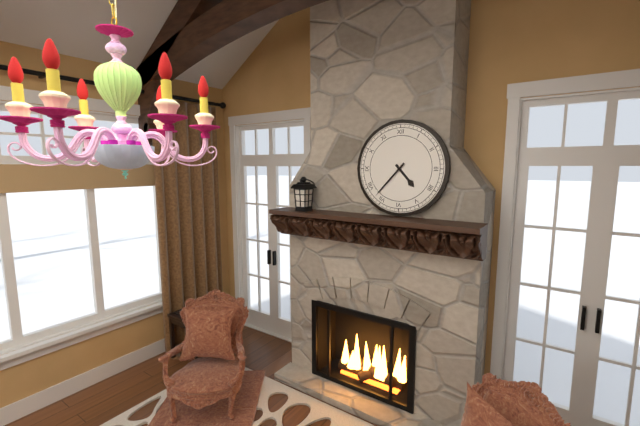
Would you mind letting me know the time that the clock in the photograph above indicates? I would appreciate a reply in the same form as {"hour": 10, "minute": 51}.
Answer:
{"hour": 4, "minute": 37}
